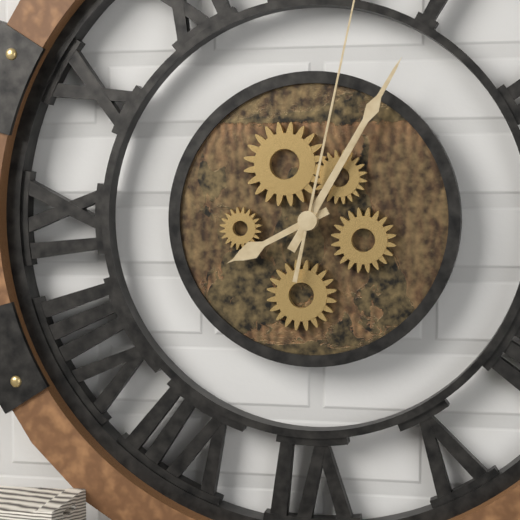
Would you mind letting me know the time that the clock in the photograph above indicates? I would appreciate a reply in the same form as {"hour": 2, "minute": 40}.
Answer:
{"hour": 8, "minute": 5}
